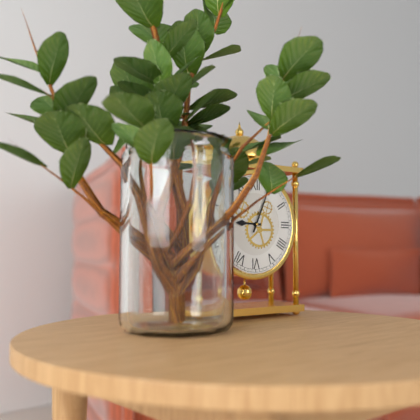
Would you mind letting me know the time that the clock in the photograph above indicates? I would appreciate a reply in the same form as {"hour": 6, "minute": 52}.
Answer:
{"hour": 9, "minute": 4}
